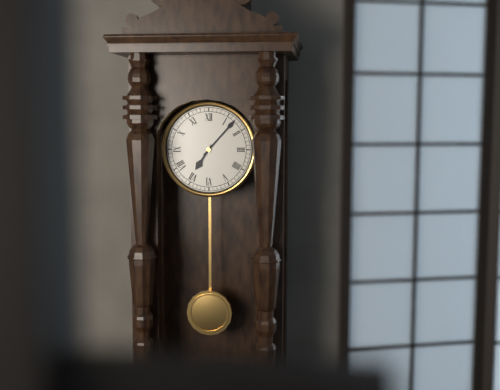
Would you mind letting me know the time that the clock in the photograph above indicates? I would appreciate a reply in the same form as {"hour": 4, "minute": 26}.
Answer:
{"hour": 7, "minute": 7}
